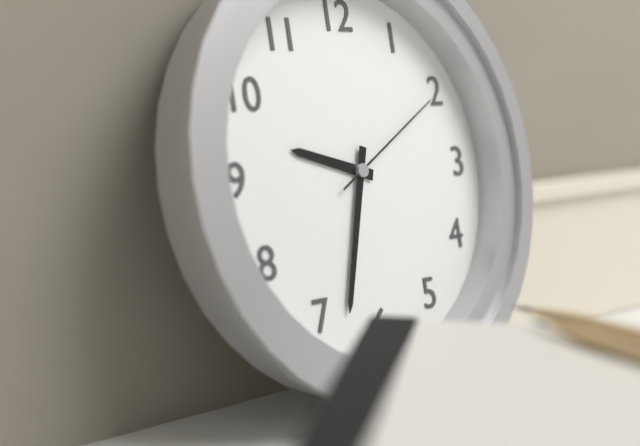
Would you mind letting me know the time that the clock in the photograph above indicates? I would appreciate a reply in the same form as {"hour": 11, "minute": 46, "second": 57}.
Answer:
{"hour": 9, "minute": 33, "second": 10}
